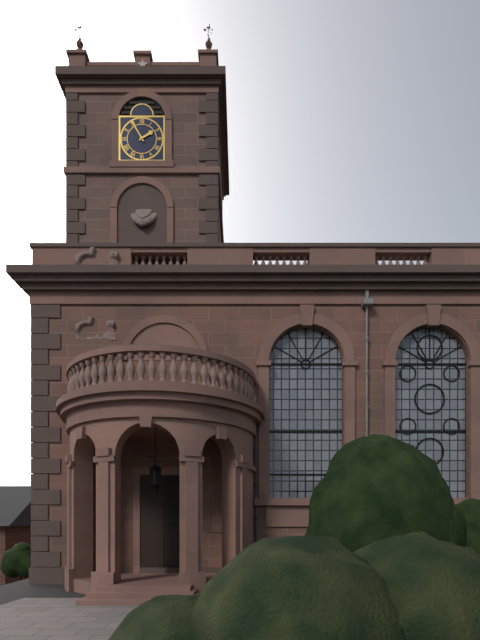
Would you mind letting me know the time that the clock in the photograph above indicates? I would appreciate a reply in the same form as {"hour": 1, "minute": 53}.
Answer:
{"hour": 1, "minute": 55}
